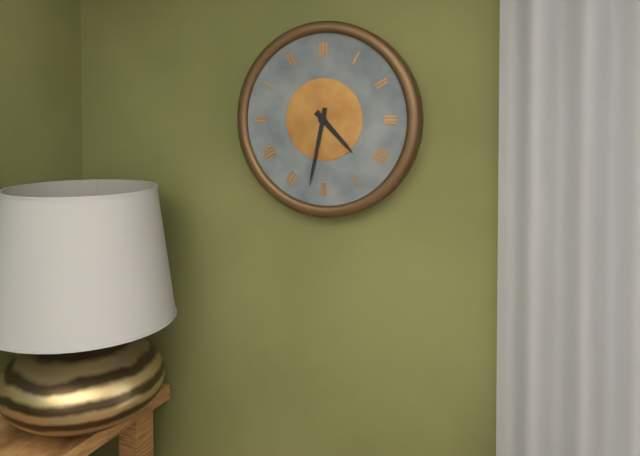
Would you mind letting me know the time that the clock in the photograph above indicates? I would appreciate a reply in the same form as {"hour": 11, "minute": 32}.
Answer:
{"hour": 4, "minute": 32}
